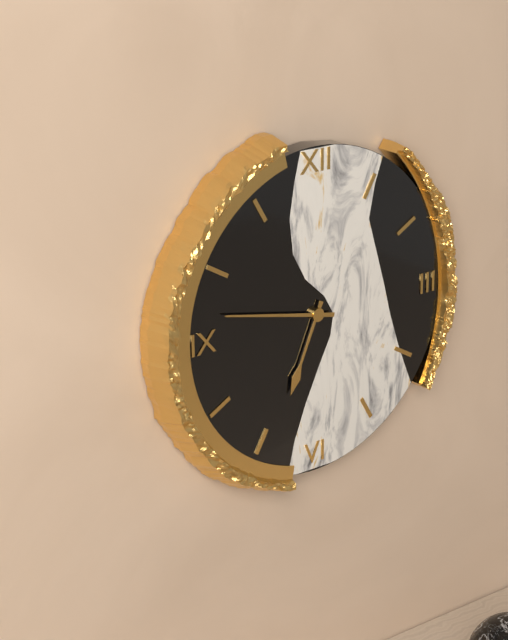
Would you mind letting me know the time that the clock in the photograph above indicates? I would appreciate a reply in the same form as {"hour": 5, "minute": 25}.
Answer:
{"hour": 6, "minute": 47}
